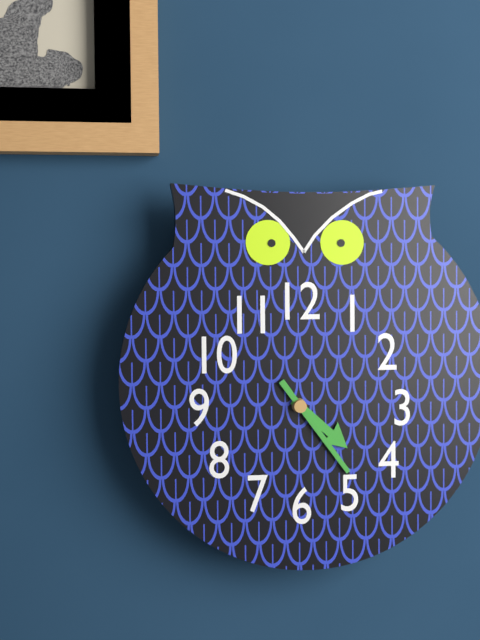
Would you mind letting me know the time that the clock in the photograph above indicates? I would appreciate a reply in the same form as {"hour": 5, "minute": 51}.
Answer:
{"hour": 4, "minute": 24}
